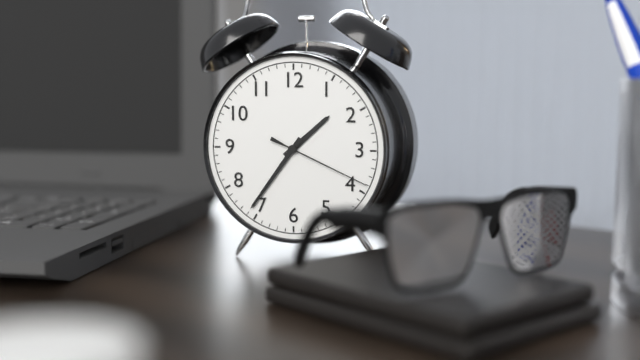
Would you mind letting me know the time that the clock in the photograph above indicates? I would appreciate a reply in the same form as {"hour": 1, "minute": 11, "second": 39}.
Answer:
{"hour": 1, "minute": 36, "second": 19}
